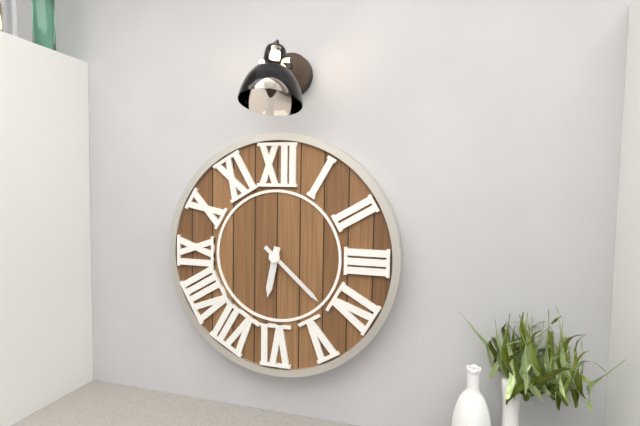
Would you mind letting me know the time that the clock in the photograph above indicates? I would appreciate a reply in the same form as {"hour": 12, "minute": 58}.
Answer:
{"hour": 6, "minute": 22}
